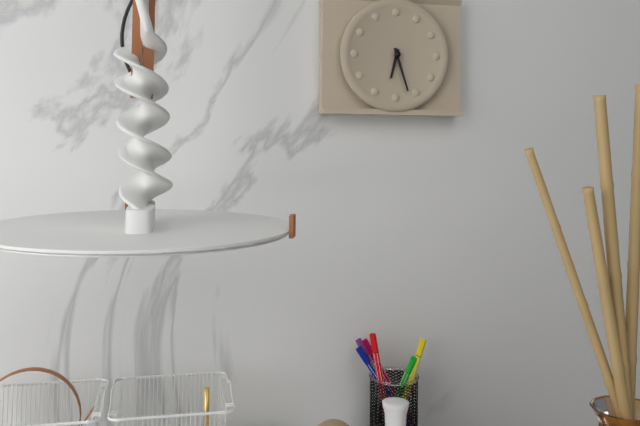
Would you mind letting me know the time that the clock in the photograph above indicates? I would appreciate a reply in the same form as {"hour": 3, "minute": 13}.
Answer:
{"hour": 6, "minute": 27}
